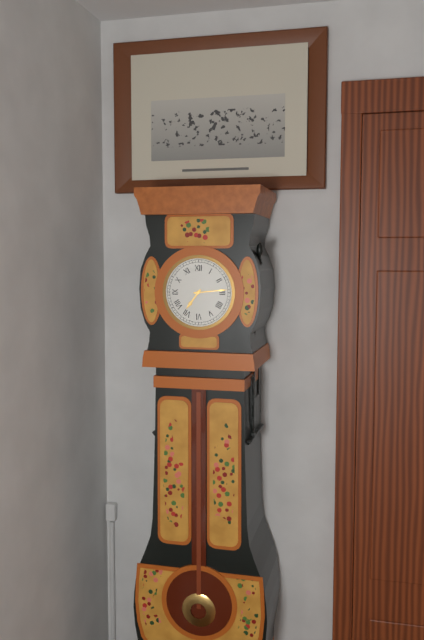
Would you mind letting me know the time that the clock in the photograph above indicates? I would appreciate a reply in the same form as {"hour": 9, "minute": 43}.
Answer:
{"hour": 7, "minute": 14}
